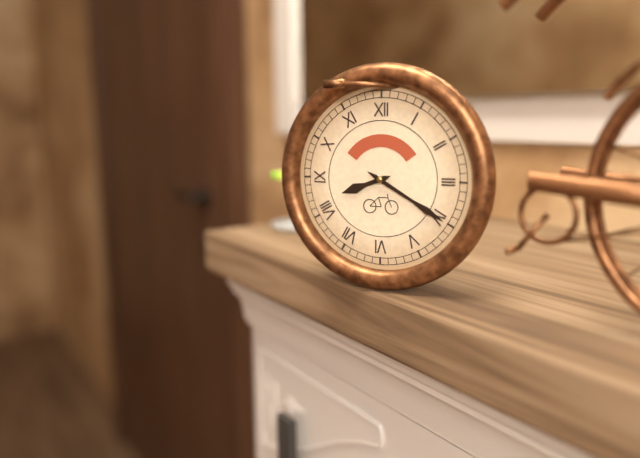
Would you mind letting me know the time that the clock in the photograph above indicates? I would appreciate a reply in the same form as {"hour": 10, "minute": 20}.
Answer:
{"hour": 8, "minute": 20}
